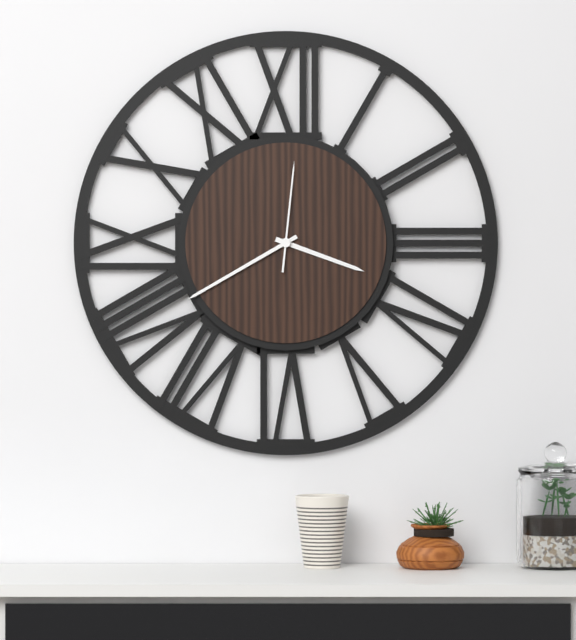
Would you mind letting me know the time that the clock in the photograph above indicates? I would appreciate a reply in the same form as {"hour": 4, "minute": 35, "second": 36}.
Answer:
{"hour": 3, "minute": 40, "second": 1}
